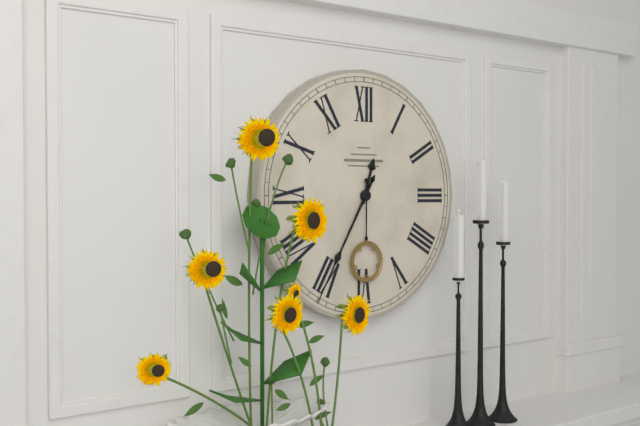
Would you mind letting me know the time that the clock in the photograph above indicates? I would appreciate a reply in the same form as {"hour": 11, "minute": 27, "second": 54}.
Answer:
{"hour": 12, "minute": 35, "second": 30}
